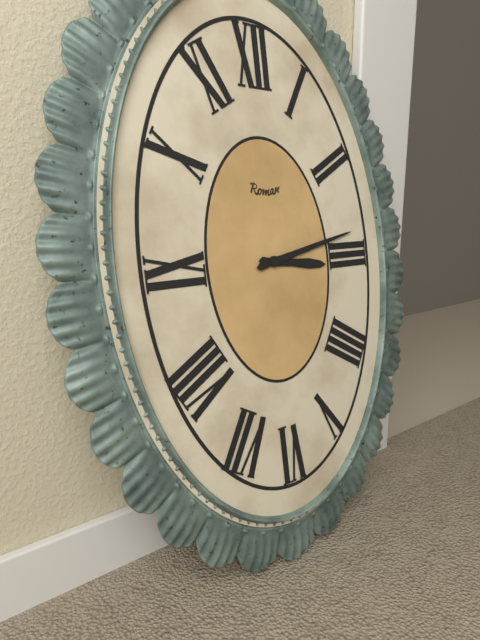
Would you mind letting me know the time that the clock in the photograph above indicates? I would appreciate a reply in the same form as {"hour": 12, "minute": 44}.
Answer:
{"hour": 3, "minute": 13}
